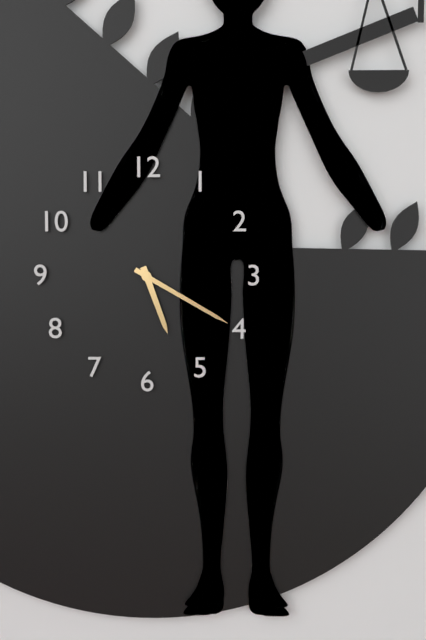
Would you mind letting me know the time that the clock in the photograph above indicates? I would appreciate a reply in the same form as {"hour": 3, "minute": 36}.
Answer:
{"hour": 5, "minute": 20}
